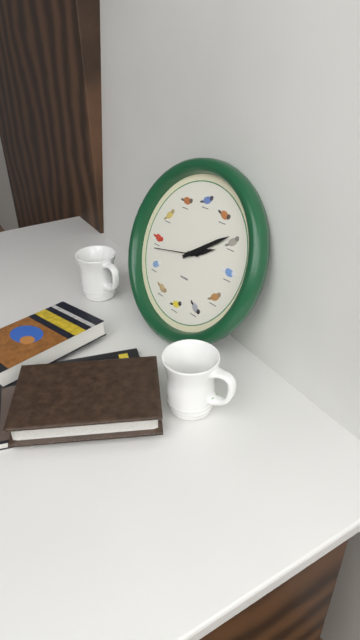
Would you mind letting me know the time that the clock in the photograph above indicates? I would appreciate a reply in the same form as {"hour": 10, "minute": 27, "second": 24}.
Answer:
{"hour": 2, "minute": 9, "second": 43}
